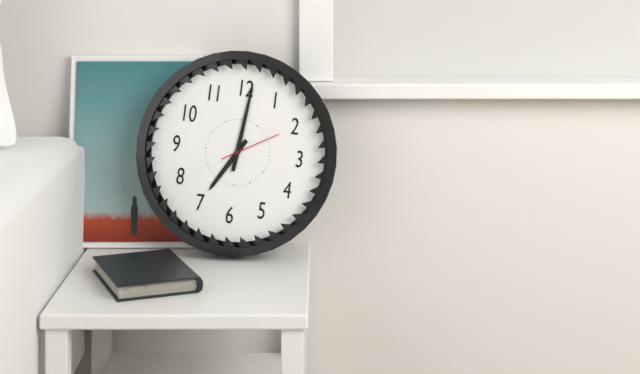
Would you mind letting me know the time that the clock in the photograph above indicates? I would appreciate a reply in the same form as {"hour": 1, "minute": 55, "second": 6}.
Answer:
{"hour": 7, "minute": 1, "second": 10}
